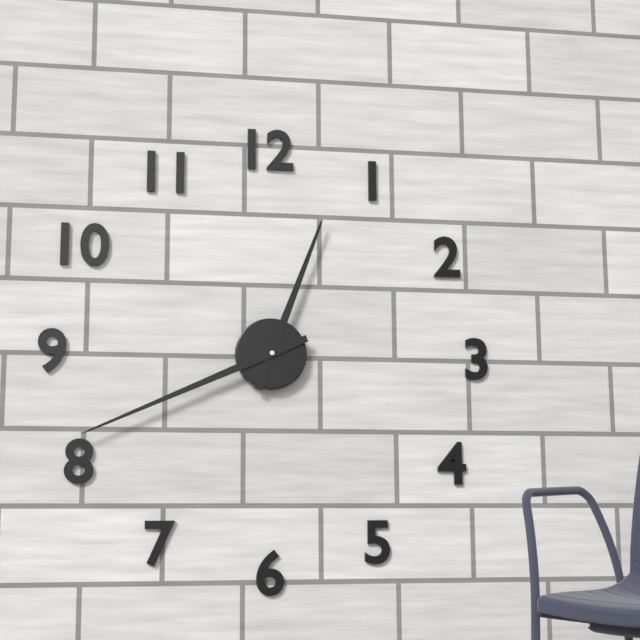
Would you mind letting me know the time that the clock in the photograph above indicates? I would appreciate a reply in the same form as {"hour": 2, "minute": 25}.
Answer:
{"hour": 12, "minute": 41}
